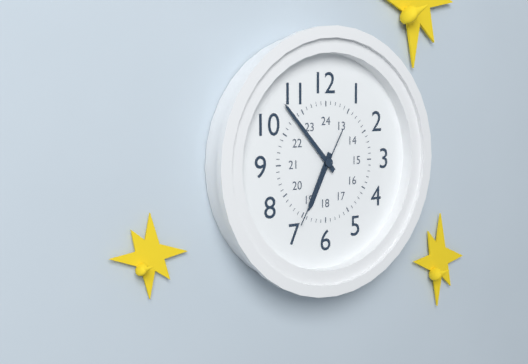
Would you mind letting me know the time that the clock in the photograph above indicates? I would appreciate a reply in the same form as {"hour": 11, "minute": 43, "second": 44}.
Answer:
{"hour": 6, "minute": 53, "second": 35}
